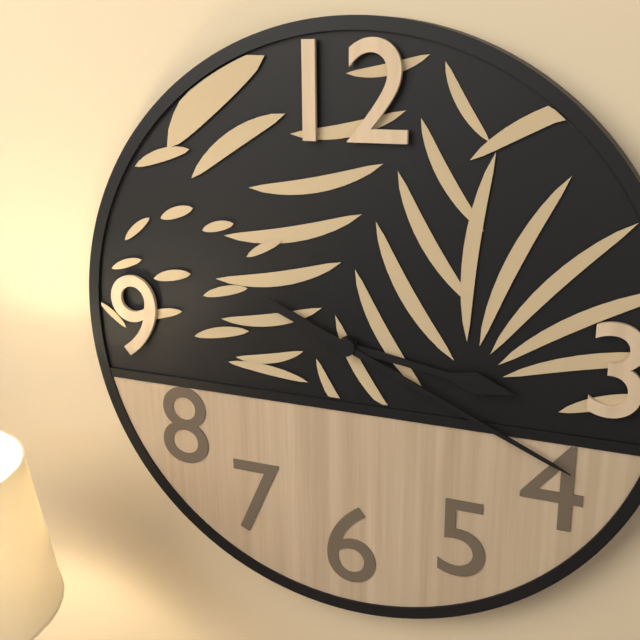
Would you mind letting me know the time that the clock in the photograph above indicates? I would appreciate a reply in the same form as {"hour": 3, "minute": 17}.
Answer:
{"hour": 3, "minute": 19}
